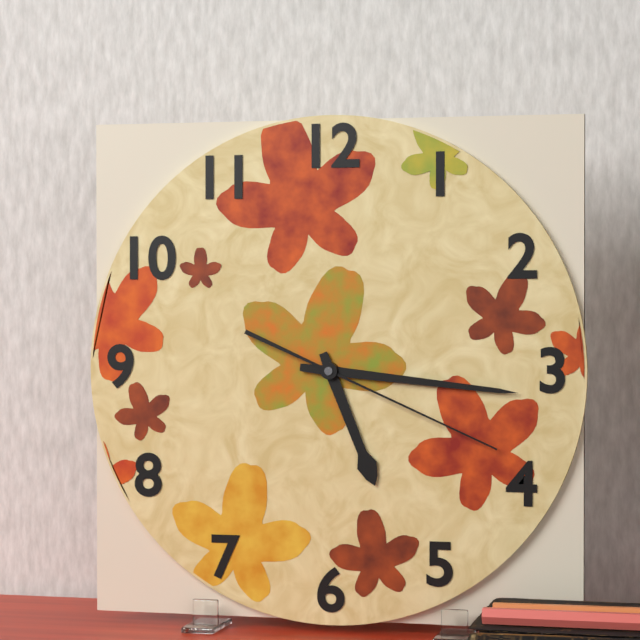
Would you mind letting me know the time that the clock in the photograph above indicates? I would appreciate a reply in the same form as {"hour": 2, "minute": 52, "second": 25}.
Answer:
{"hour": 5, "minute": 16, "second": 19}
